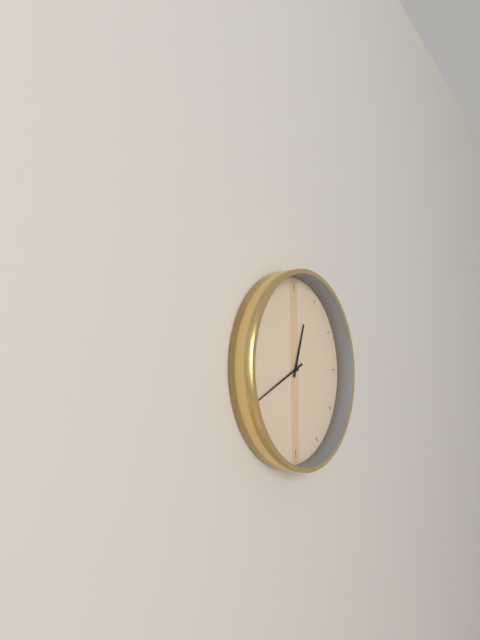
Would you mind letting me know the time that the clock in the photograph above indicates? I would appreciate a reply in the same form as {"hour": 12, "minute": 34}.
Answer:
{"hour": 12, "minute": 41}
